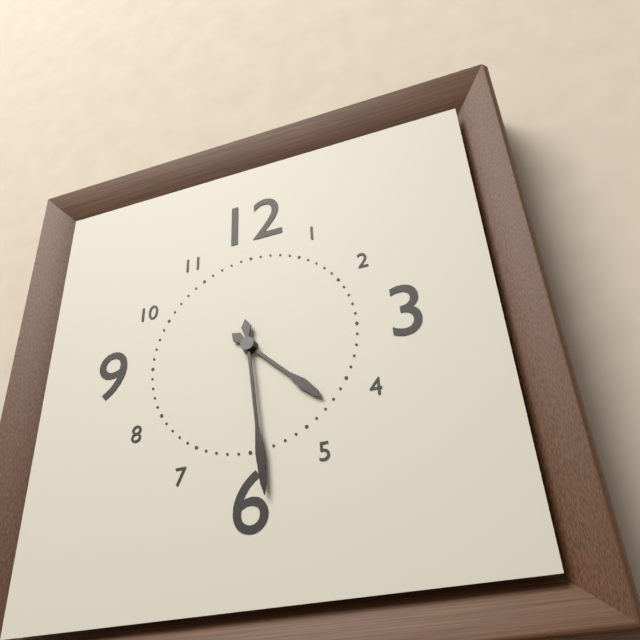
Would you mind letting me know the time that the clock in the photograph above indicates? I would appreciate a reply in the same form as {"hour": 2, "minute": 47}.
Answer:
{"hour": 4, "minute": 29}
